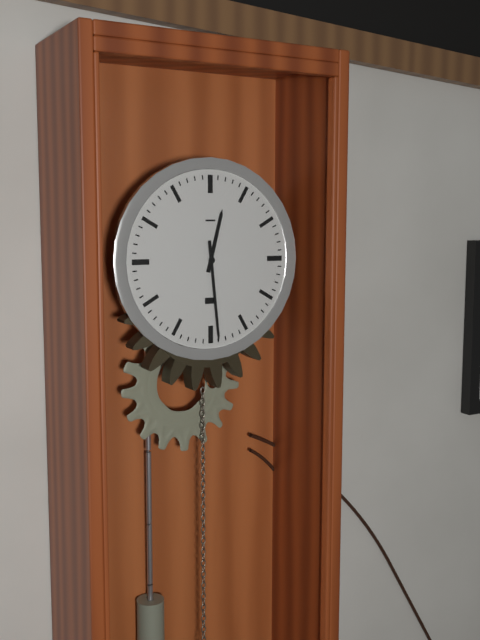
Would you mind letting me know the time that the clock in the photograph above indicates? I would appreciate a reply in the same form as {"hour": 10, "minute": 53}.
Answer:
{"hour": 12, "minute": 29}
